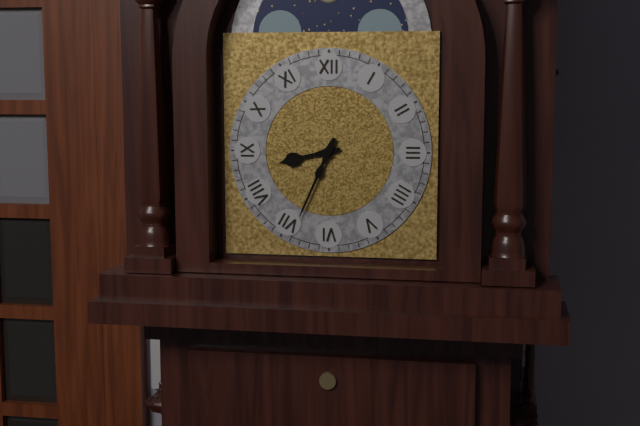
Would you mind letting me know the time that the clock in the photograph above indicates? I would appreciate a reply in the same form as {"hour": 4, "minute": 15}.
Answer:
{"hour": 8, "minute": 34}
